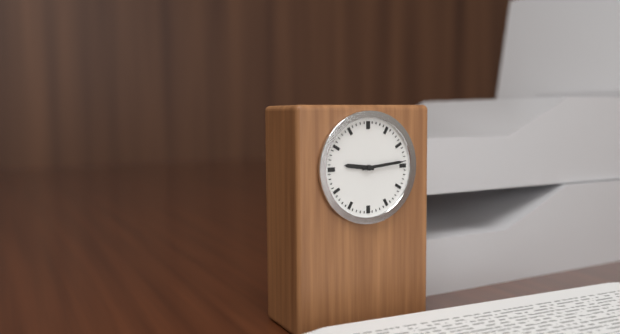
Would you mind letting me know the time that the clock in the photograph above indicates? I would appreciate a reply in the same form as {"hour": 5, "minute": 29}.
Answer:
{"hour": 9, "minute": 14}
